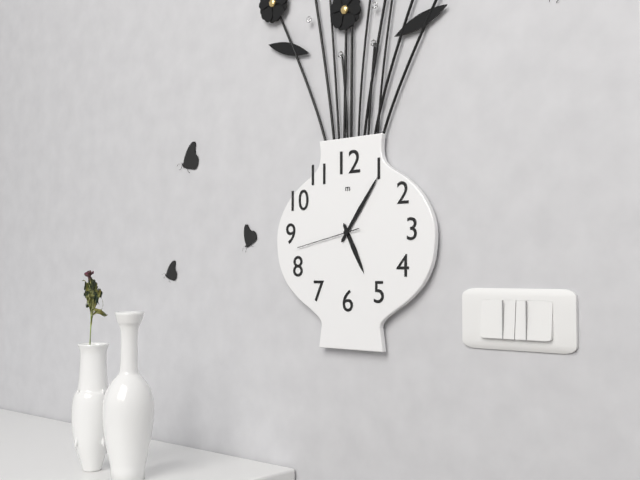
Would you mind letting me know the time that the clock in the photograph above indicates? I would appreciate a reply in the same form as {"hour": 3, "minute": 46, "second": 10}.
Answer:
{"hour": 5, "minute": 6, "second": 43}
